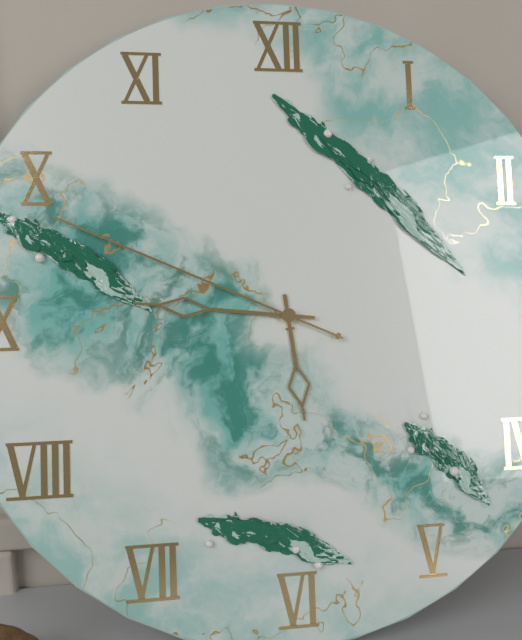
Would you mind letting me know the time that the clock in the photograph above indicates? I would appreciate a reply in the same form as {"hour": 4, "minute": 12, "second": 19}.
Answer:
{"hour": 5, "minute": 46, "second": 49}
